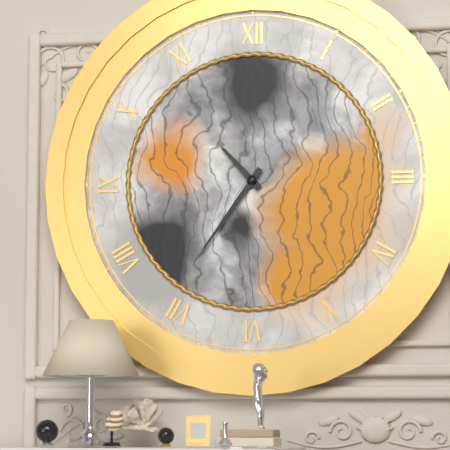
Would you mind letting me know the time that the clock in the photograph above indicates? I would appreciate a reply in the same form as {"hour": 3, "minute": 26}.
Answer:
{"hour": 10, "minute": 36}
